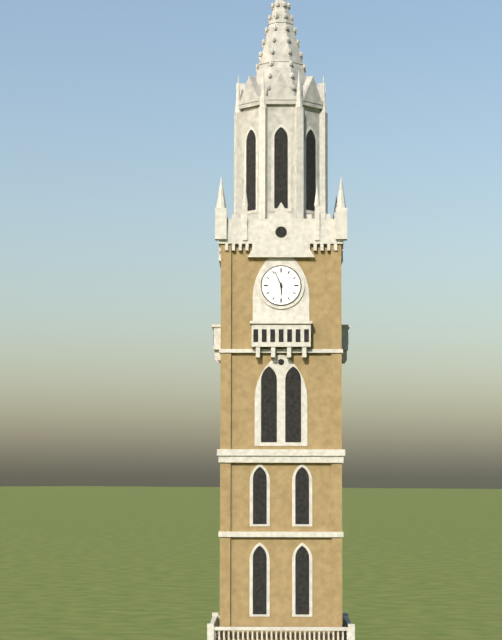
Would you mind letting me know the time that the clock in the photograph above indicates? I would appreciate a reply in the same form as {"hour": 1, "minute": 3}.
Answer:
{"hour": 5, "minute": 56}
